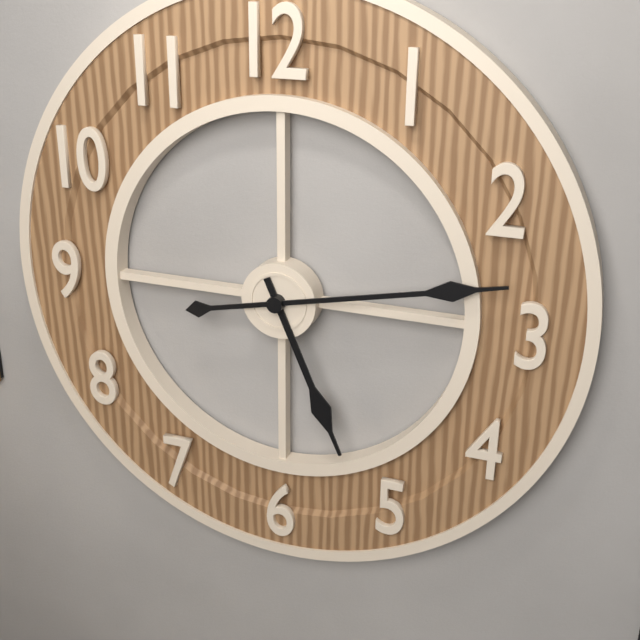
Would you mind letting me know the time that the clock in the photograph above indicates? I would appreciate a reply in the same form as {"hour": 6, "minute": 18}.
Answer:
{"hour": 5, "minute": 13}
